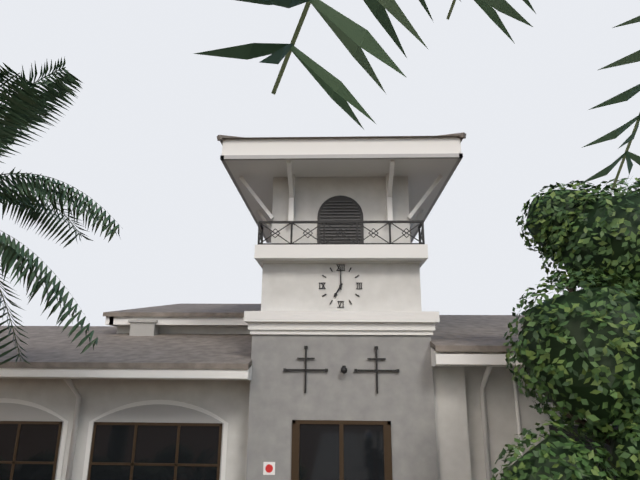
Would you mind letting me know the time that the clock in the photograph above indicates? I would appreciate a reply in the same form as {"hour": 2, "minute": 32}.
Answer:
{"hour": 7, "minute": 0}
